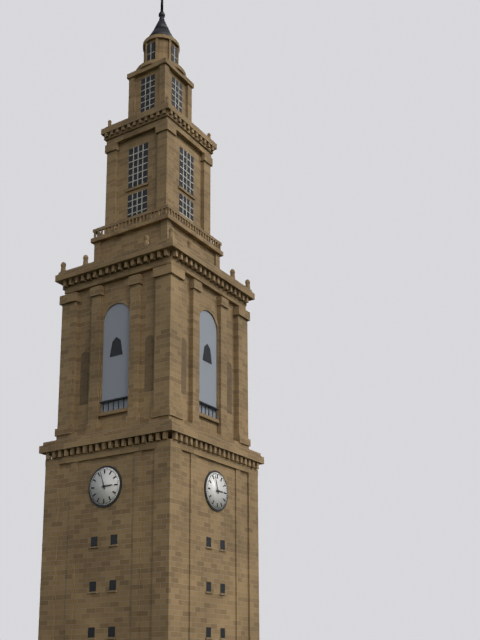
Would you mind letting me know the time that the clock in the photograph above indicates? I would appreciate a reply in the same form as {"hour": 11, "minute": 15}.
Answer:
{"hour": 2, "minute": 57}
